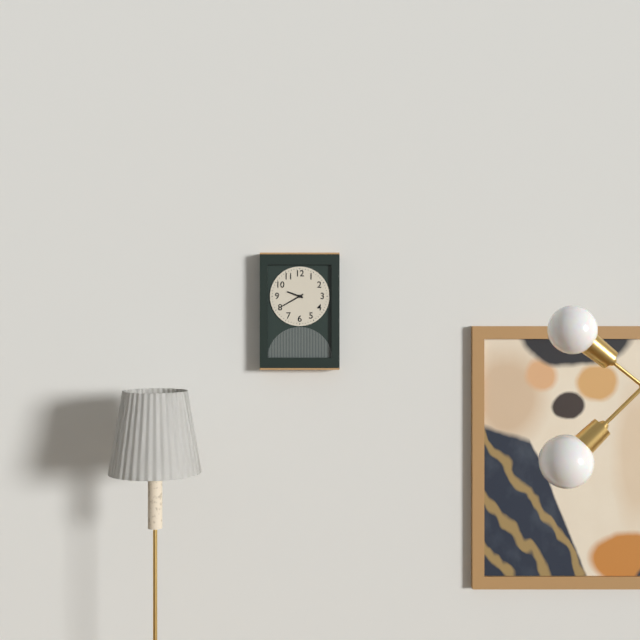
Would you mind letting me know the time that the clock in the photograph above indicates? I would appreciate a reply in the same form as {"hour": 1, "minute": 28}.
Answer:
{"hour": 9, "minute": 40}
